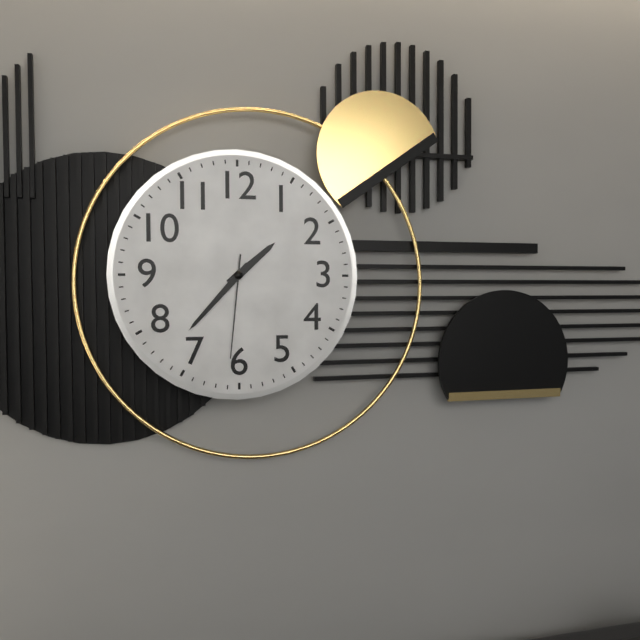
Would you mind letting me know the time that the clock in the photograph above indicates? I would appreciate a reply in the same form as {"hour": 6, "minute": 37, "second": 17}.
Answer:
{"hour": 1, "minute": 37, "second": 31}
